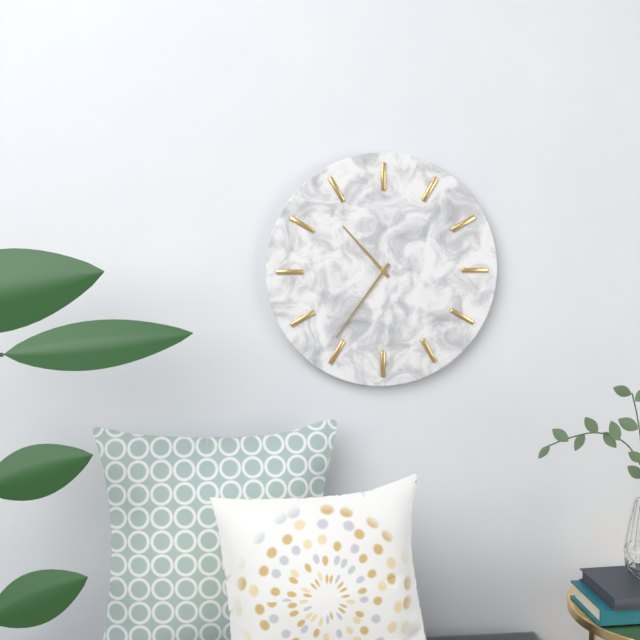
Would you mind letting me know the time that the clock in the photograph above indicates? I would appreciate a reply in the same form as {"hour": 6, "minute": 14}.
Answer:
{"hour": 10, "minute": 36}
